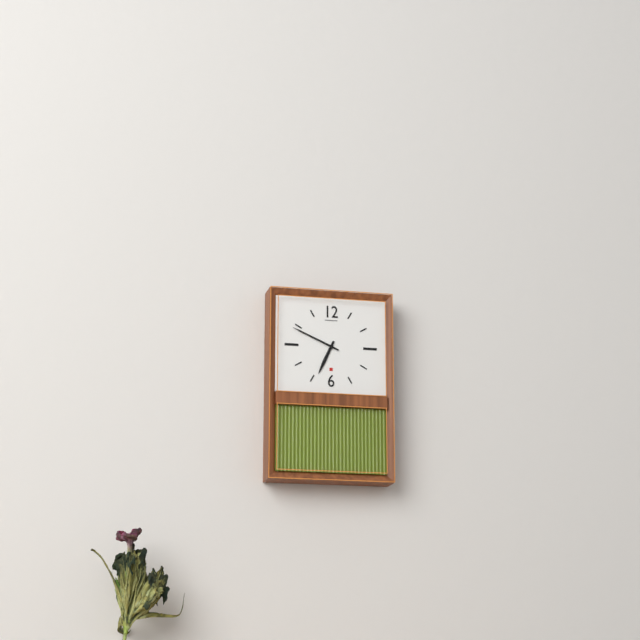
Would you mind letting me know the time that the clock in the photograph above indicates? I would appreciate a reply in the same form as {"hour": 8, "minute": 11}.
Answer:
{"hour": 6, "minute": 49}
